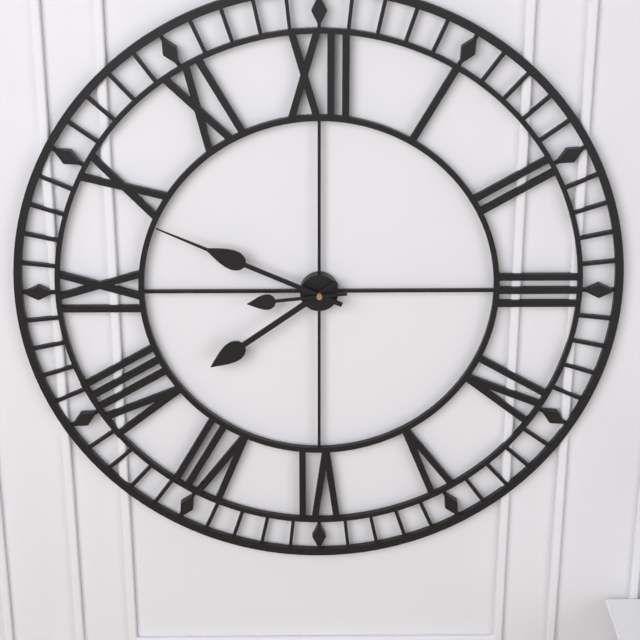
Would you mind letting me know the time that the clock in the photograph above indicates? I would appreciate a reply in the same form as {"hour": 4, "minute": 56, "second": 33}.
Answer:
{"hour": 7, "minute": 49, "second": 44}
